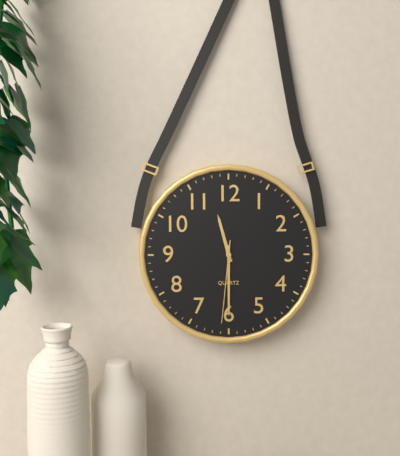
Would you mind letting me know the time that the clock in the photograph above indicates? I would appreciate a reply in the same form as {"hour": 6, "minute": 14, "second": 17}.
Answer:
{"hour": 11, "minute": 30, "second": 31}
